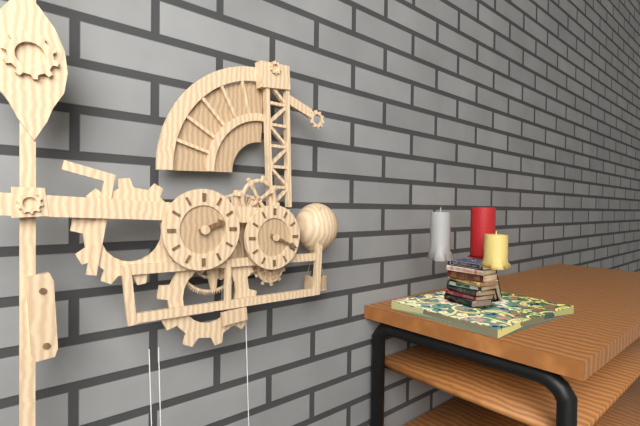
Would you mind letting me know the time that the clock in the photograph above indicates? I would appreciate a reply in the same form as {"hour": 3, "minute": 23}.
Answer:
{"hour": 2, "minute": 19}
